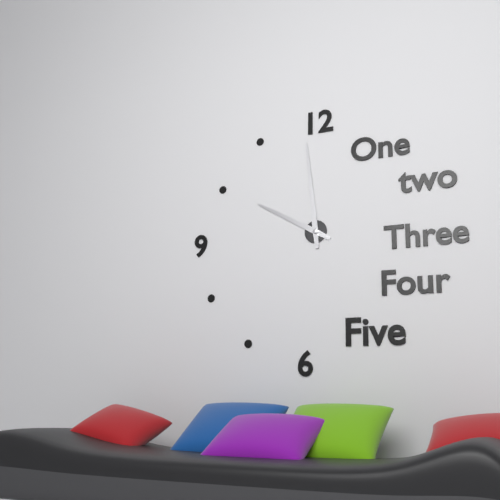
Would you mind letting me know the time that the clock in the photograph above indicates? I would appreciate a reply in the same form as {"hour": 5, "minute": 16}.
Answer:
{"hour": 9, "minute": 59}
